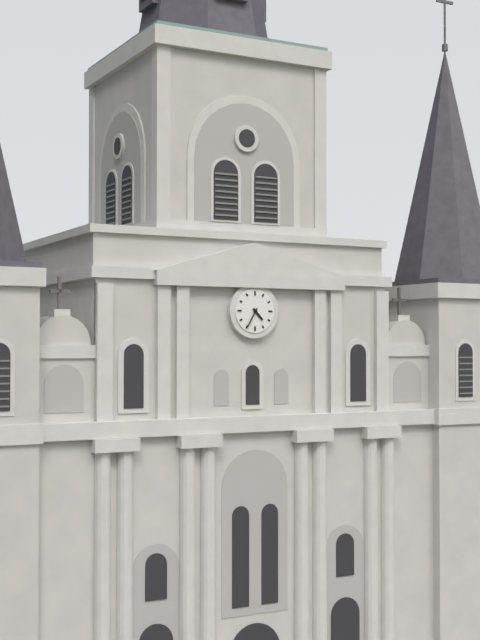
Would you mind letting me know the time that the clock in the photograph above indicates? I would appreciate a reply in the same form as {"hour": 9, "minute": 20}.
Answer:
{"hour": 4, "minute": 35}
